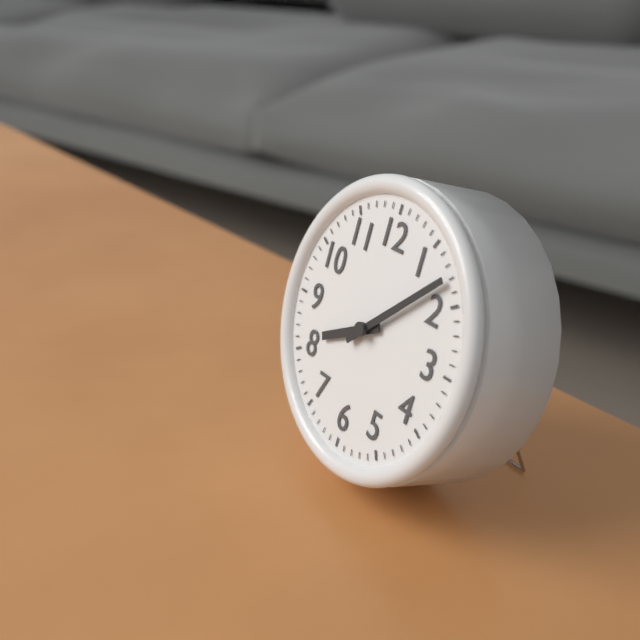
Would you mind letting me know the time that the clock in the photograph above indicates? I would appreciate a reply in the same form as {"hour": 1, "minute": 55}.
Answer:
{"hour": 8, "minute": 8}
